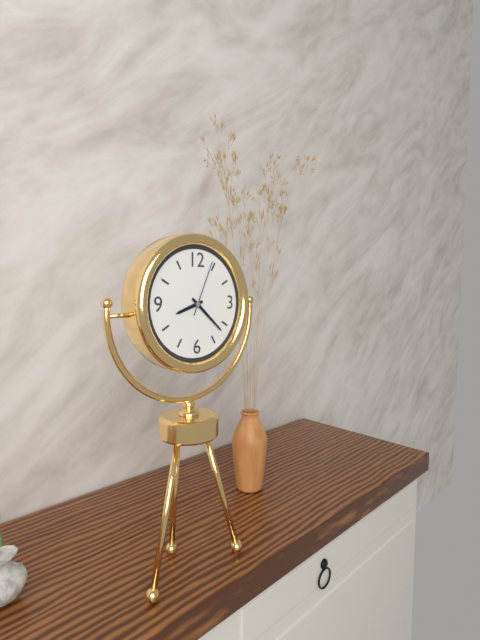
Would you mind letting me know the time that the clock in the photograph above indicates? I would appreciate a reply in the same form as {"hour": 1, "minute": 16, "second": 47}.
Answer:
{"hour": 8, "minute": 22, "second": 4}
